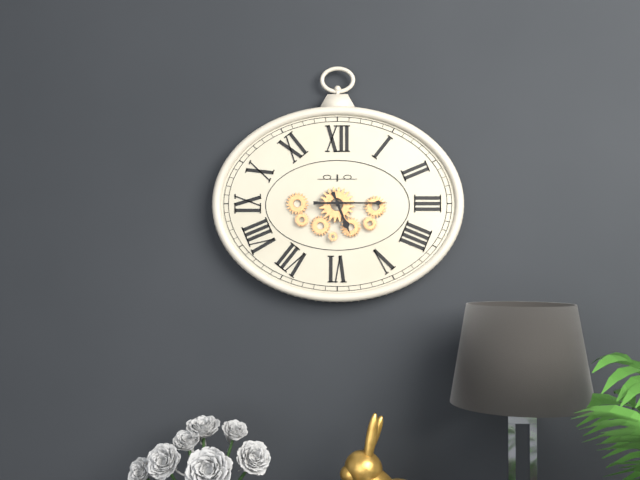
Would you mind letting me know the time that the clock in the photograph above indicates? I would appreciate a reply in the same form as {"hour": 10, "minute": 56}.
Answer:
{"hour": 5, "minute": 15}
